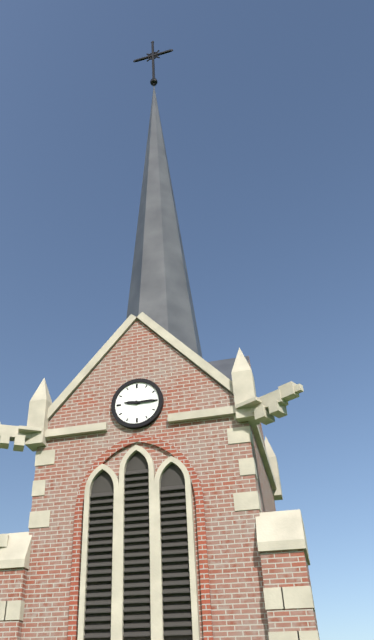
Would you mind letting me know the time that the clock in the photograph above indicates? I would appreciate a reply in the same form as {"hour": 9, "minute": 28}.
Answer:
{"hour": 9, "minute": 15}
